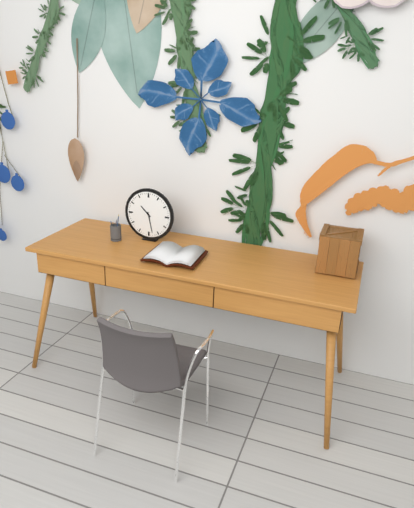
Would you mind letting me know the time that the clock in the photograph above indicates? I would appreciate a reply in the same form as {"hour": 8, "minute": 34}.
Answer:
{"hour": 10, "minute": 28}
